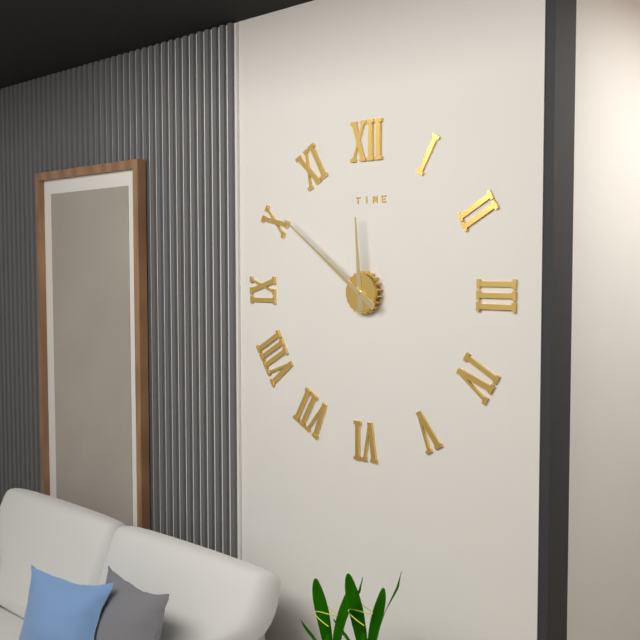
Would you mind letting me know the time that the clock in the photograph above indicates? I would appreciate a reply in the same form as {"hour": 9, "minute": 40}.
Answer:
{"hour": 11, "minute": 51}
